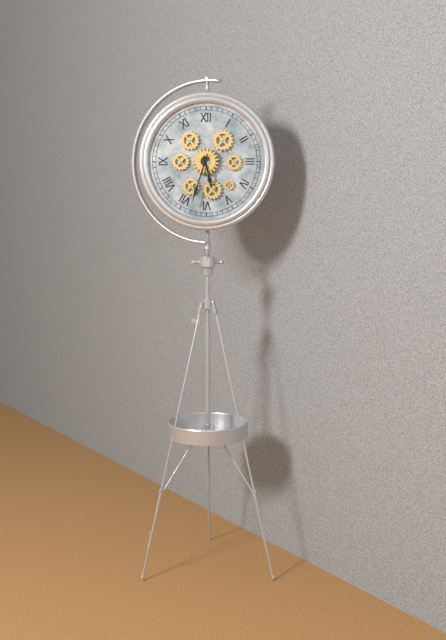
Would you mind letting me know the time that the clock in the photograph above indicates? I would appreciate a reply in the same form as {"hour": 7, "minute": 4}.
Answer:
{"hour": 5, "minute": 33}
